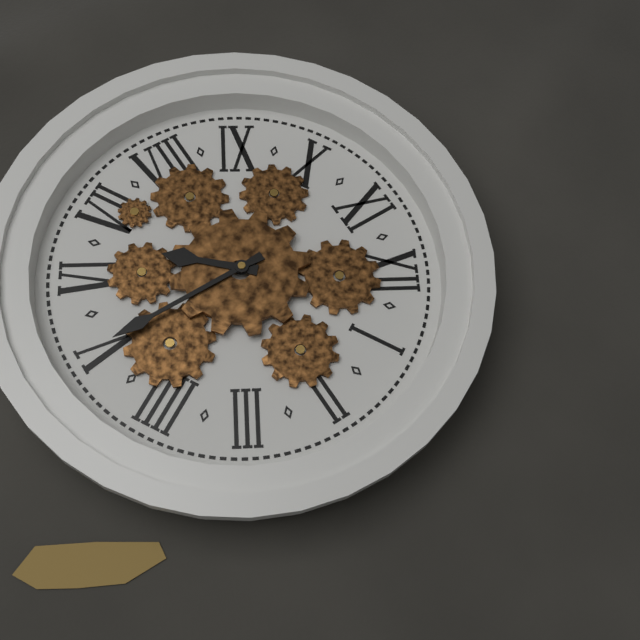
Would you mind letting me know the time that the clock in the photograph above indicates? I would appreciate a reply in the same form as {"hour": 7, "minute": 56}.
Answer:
{"hour": 6, "minute": 25}
